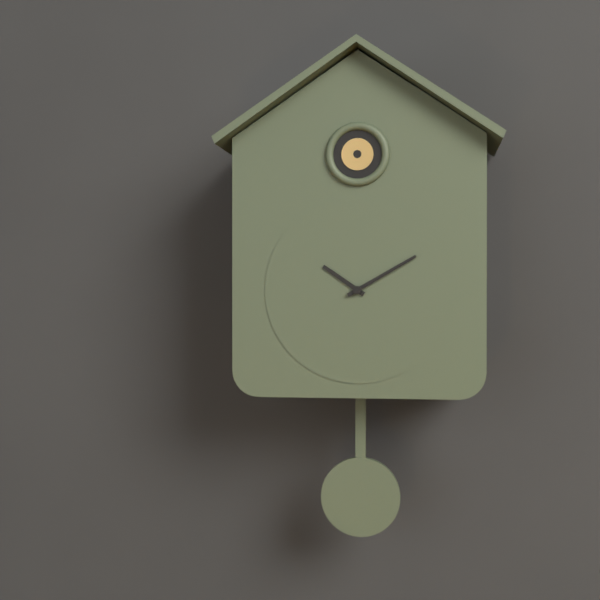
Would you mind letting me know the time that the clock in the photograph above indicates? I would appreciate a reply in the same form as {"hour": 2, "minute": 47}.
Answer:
{"hour": 10, "minute": 10}
